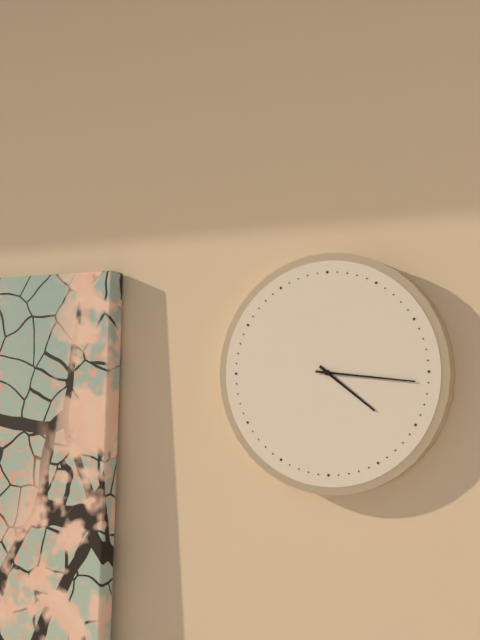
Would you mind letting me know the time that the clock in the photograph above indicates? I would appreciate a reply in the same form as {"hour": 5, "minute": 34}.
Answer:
{"hour": 4, "minute": 16}
